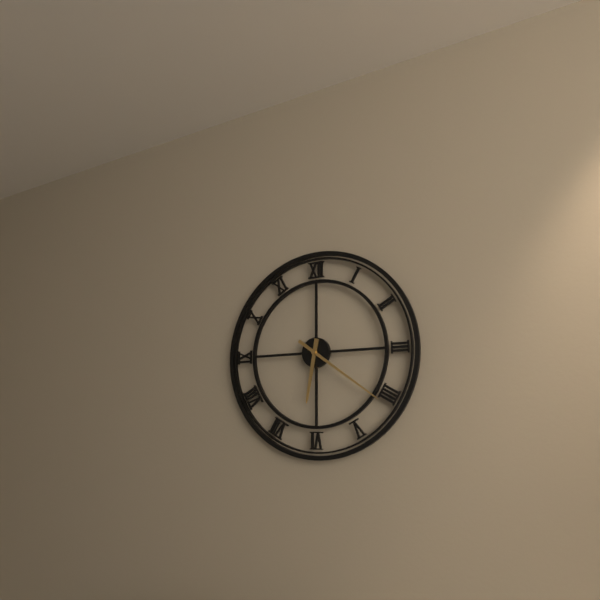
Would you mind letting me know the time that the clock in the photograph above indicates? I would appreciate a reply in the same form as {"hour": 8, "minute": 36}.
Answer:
{"hour": 6, "minute": 21}
